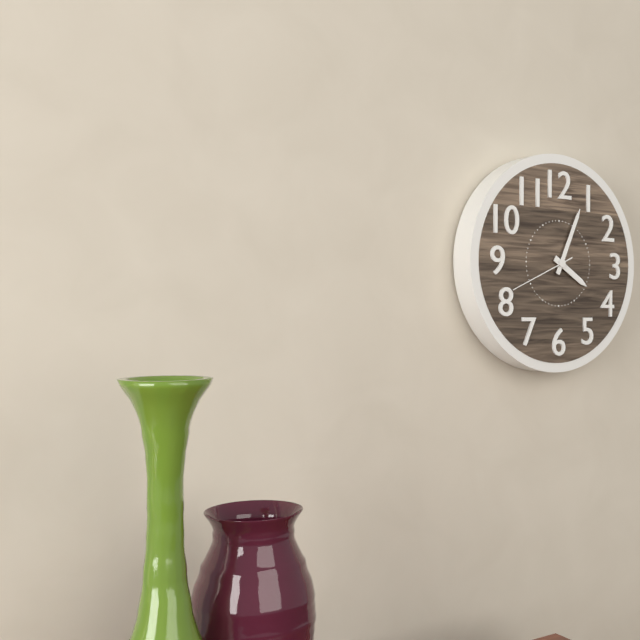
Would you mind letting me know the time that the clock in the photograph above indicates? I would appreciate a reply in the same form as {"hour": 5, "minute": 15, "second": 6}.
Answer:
{"hour": 4, "minute": 4, "second": 41}
